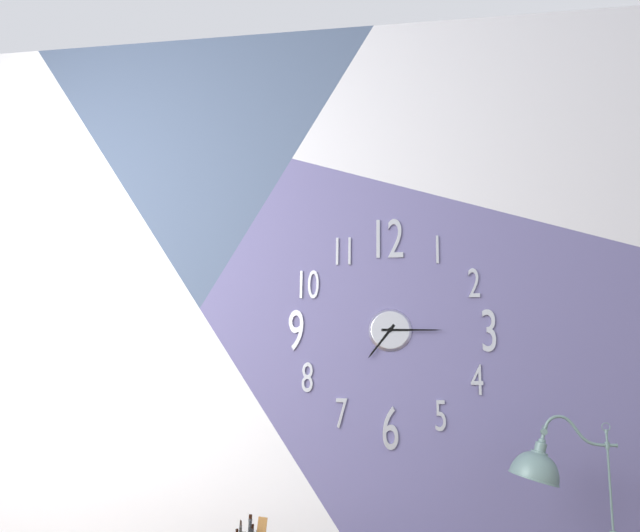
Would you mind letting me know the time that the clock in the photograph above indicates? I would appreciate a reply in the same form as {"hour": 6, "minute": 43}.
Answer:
{"hour": 7, "minute": 15}
